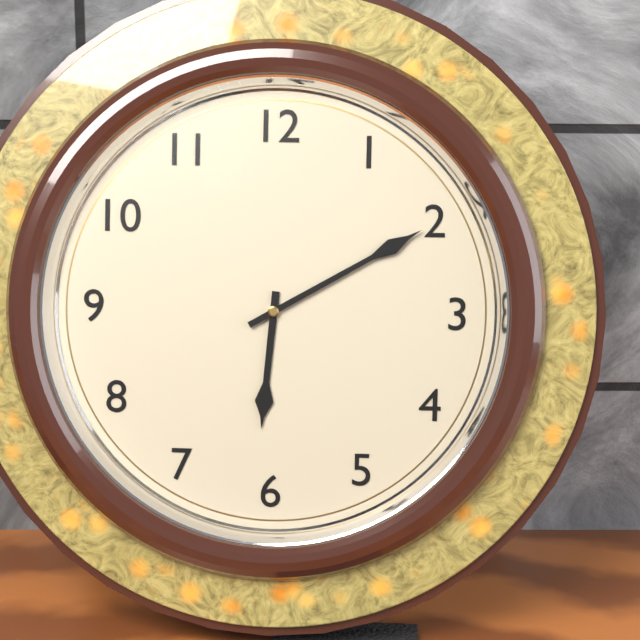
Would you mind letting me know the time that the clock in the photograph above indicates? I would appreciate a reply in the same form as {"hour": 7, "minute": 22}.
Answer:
{"hour": 6, "minute": 10}
